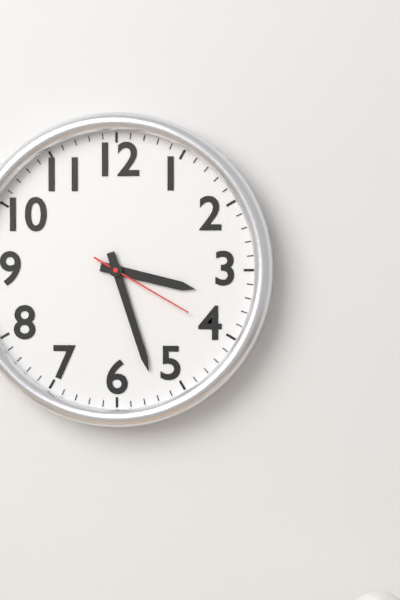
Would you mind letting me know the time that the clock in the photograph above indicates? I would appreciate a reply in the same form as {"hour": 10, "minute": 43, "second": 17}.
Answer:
{"hour": 3, "minute": 27, "second": 20}
